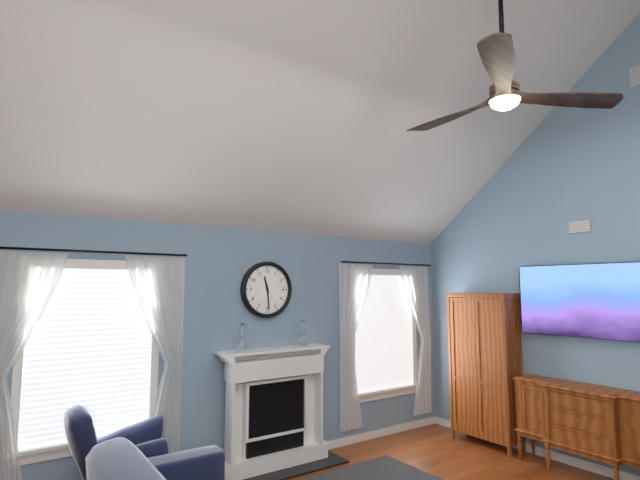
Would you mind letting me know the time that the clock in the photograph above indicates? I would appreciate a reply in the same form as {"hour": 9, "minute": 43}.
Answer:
{"hour": 11, "minute": 29}
